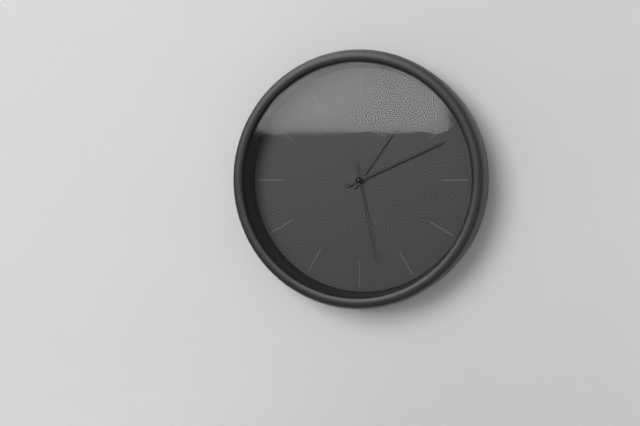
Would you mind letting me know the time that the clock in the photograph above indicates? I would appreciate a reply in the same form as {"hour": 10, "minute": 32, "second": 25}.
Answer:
{"hour": 1, "minute": 11, "second": 28}
